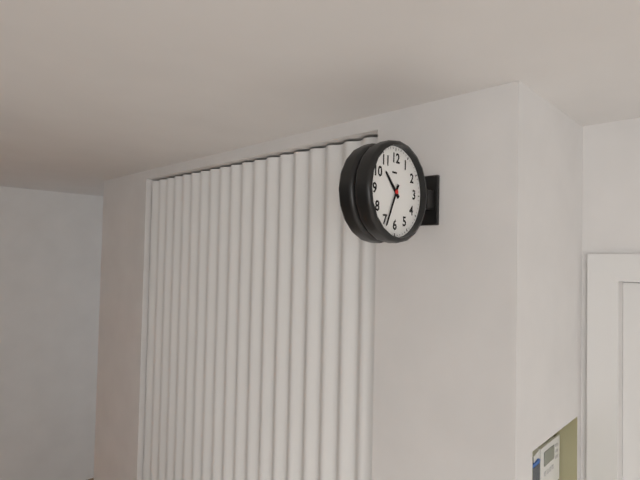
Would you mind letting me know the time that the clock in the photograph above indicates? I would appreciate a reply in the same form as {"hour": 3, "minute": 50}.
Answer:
{"hour": 10, "minute": 34}
